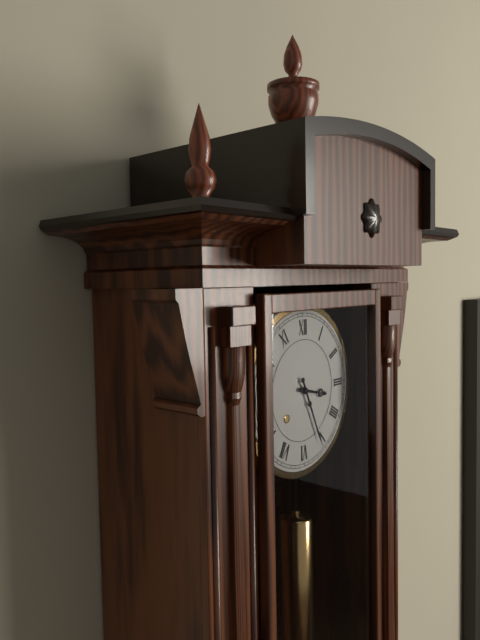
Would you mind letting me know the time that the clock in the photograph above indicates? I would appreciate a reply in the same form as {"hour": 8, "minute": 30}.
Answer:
{"hour": 3, "minute": 26}
